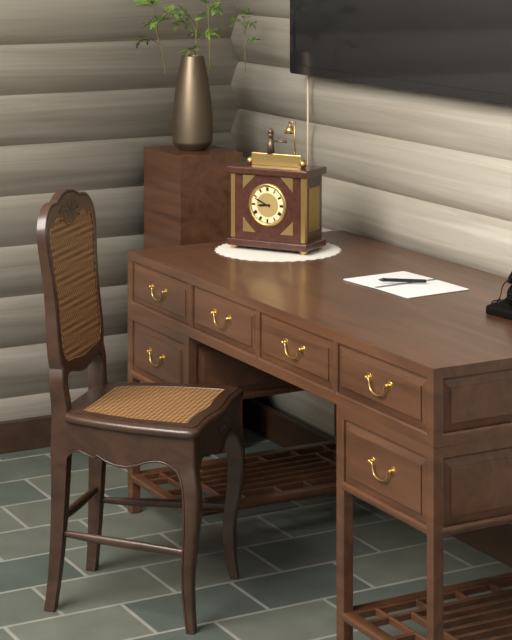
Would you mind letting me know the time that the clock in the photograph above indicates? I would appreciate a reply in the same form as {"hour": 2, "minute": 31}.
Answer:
{"hour": 8, "minute": 49}
